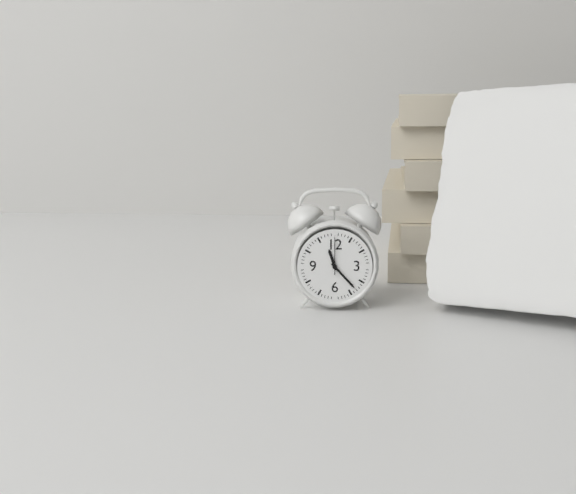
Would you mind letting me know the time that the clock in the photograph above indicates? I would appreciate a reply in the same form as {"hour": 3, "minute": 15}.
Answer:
{"hour": 11, "minute": 23}
